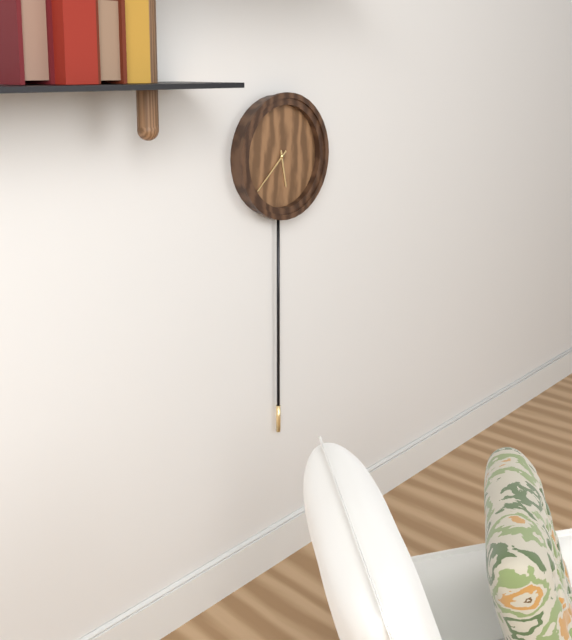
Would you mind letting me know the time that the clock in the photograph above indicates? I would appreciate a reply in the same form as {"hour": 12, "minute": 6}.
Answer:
{"hour": 5, "minute": 38}
